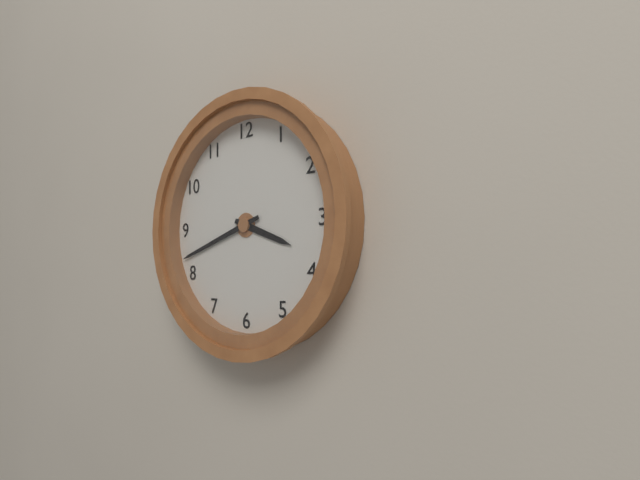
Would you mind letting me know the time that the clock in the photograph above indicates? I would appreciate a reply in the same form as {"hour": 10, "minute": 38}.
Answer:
{"hour": 3, "minute": 42}
